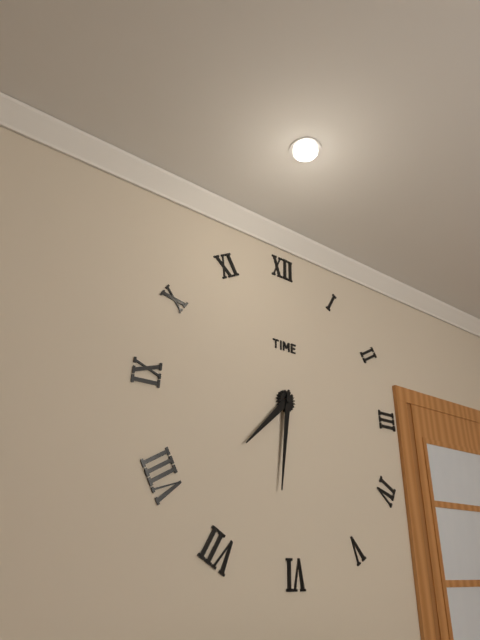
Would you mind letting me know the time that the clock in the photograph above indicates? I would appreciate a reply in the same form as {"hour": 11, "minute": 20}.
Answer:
{"hour": 7, "minute": 31}
